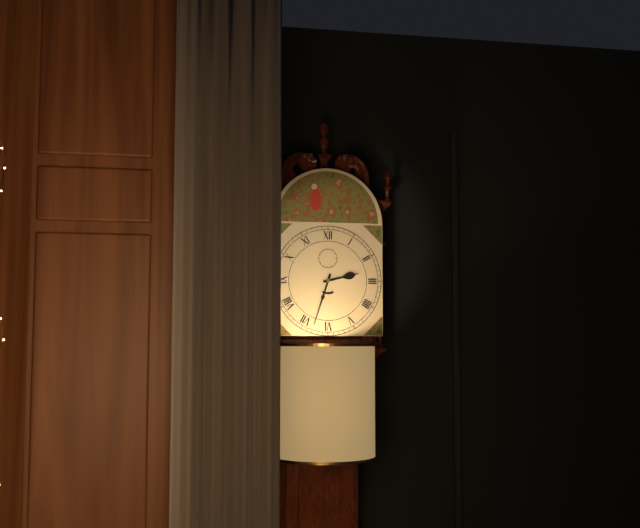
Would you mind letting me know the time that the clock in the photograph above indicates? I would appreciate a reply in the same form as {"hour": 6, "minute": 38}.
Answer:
{"hour": 2, "minute": 33}
